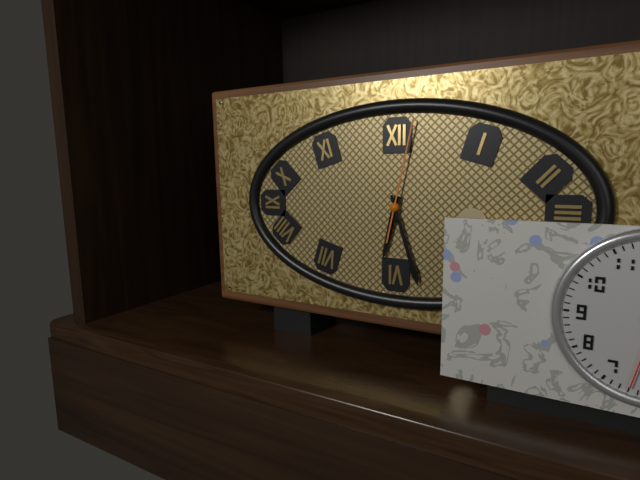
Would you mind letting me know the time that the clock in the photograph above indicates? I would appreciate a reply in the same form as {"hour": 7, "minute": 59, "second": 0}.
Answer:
{"hour": 6, "minute": 27, "second": 2}
